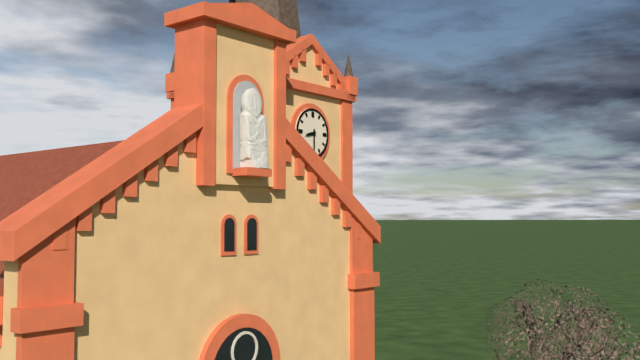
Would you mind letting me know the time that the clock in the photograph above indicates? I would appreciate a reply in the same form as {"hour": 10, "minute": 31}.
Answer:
{"hour": 8, "minute": 30}
